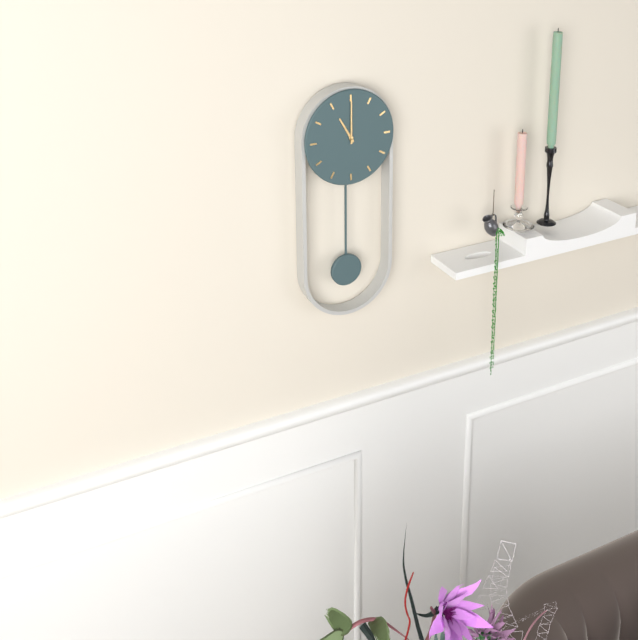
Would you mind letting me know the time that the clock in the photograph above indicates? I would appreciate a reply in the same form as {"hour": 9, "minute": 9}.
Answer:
{"hour": 11, "minute": 0}
